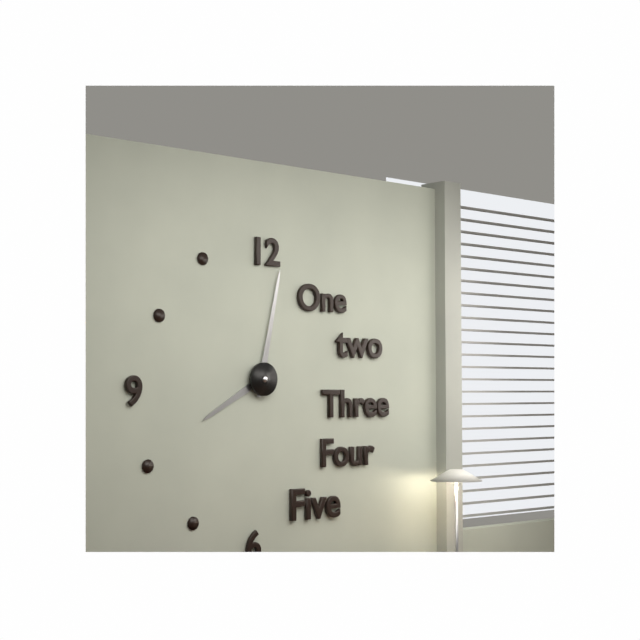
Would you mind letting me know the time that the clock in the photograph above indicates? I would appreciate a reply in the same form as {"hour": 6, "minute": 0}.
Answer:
{"hour": 8, "minute": 2}
